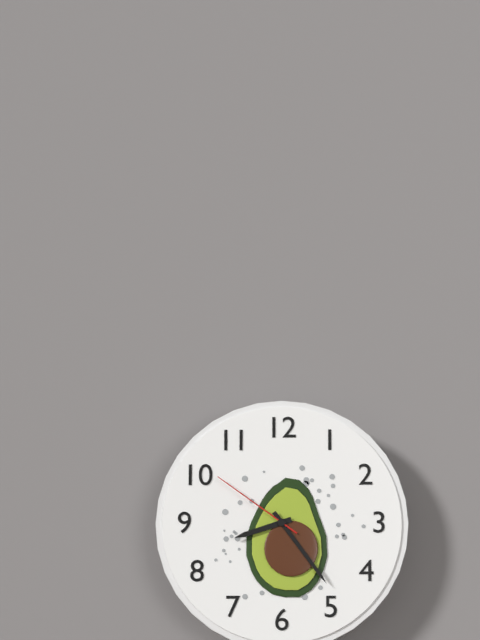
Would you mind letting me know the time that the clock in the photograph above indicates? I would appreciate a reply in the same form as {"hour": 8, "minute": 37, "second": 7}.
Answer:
{"hour": 8, "minute": 24, "second": 51}
